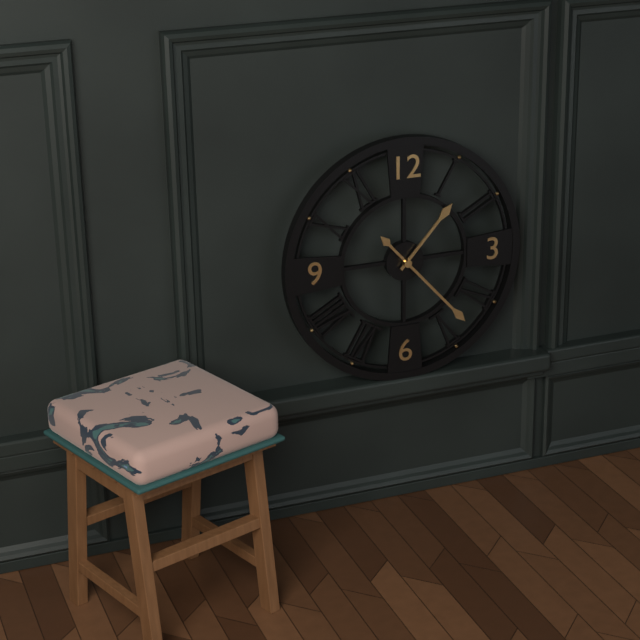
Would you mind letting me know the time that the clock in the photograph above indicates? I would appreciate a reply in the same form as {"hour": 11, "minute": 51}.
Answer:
{"hour": 1, "minute": 23}
